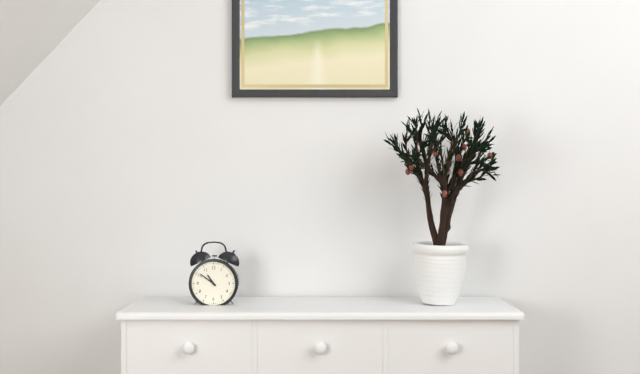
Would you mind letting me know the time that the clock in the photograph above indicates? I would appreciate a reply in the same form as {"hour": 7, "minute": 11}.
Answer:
{"hour": 10, "minute": 51}
